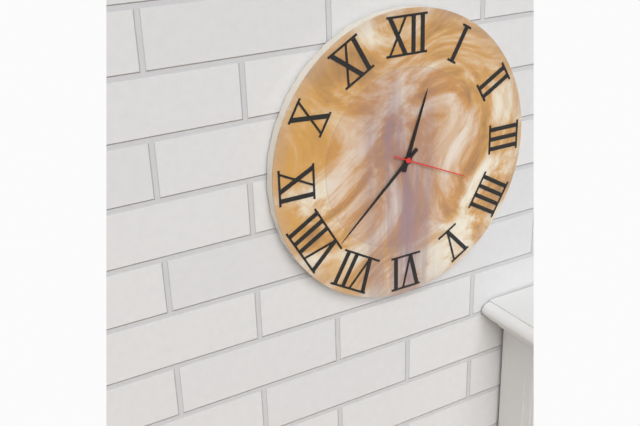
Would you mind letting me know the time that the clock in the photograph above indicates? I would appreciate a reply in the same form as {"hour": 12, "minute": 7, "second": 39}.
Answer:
{"hour": 12, "minute": 38, "second": 19}
